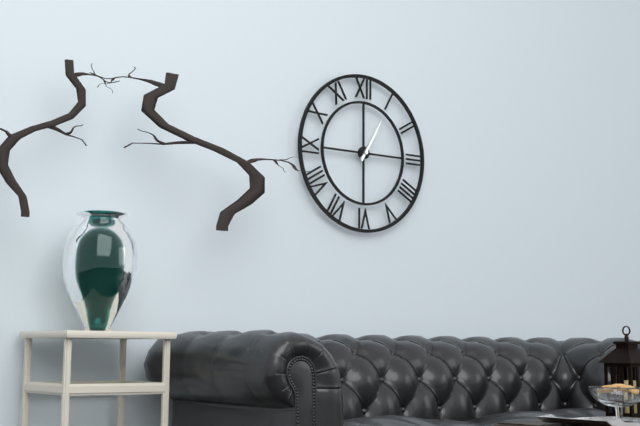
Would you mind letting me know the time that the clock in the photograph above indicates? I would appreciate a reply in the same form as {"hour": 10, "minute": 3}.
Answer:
{"hour": 1, "minute": 5}
